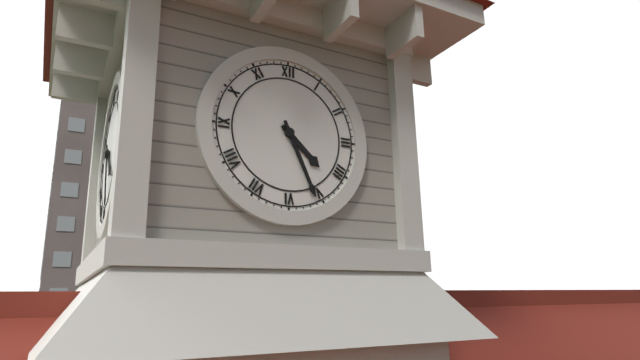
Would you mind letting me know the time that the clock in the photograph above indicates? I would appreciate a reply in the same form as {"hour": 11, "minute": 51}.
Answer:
{"hour": 4, "minute": 26}
